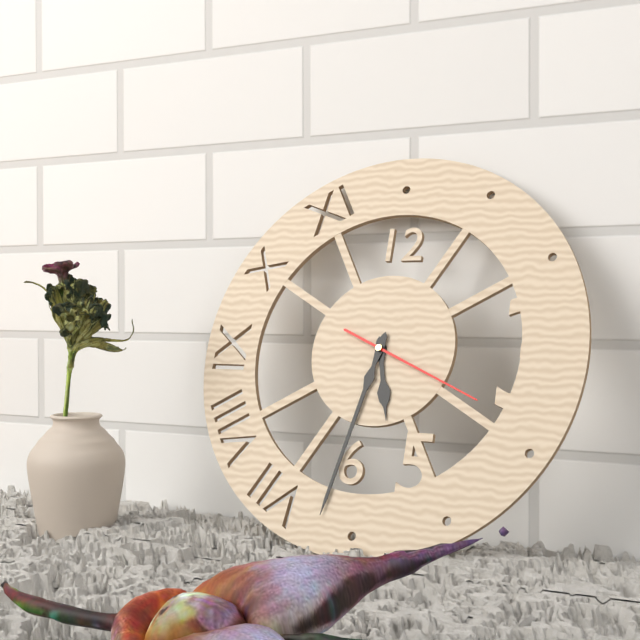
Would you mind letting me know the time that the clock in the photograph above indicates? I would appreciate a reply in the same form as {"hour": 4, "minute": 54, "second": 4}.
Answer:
{"hour": 5, "minute": 32, "second": 19}
